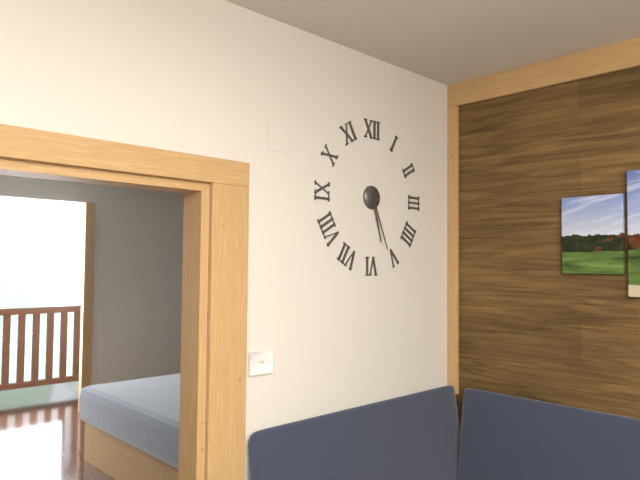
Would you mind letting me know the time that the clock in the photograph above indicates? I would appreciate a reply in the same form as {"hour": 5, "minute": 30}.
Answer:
{"hour": 5, "minute": 26}
